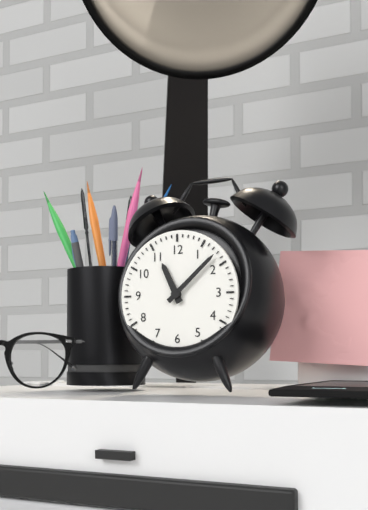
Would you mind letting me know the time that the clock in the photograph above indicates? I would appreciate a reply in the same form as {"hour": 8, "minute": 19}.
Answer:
{"hour": 11, "minute": 8}
